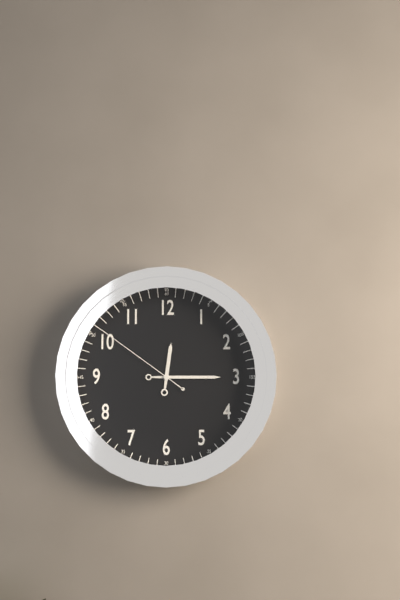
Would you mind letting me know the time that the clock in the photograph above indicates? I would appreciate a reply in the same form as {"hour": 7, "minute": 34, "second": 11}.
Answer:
{"hour": 12, "minute": 15, "second": 51}
